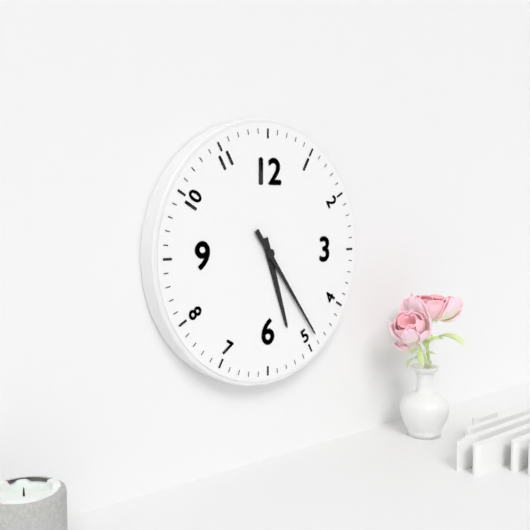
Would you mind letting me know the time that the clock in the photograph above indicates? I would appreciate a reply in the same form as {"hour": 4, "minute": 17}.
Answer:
{"hour": 5, "minute": 24}
